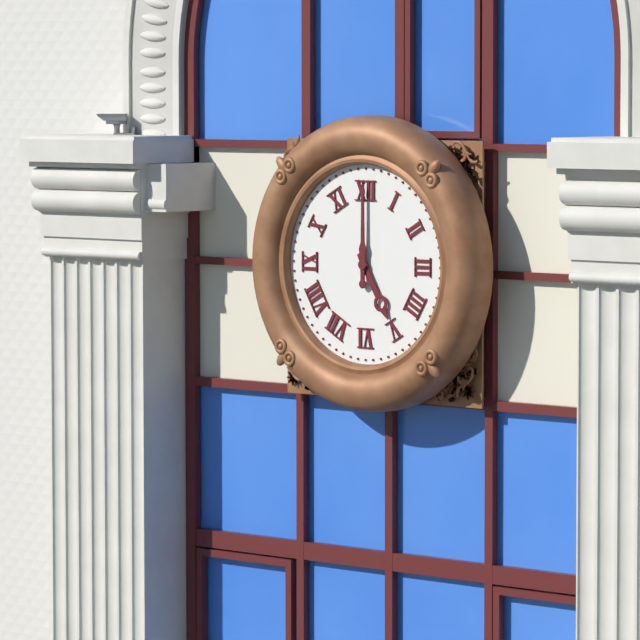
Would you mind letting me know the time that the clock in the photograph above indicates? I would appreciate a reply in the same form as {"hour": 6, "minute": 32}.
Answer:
{"hour": 5, "minute": 0}
